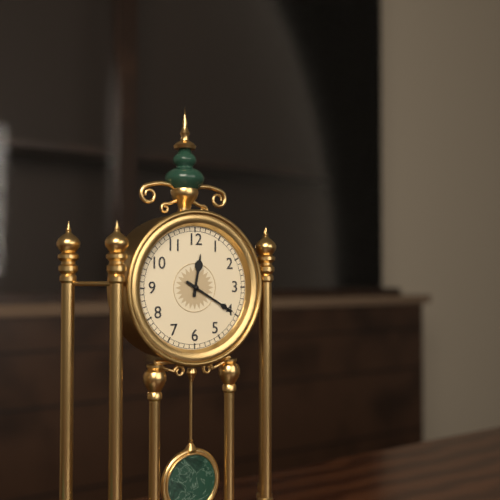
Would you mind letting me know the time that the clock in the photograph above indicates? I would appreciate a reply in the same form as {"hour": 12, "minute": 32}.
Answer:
{"hour": 12, "minute": 20}
